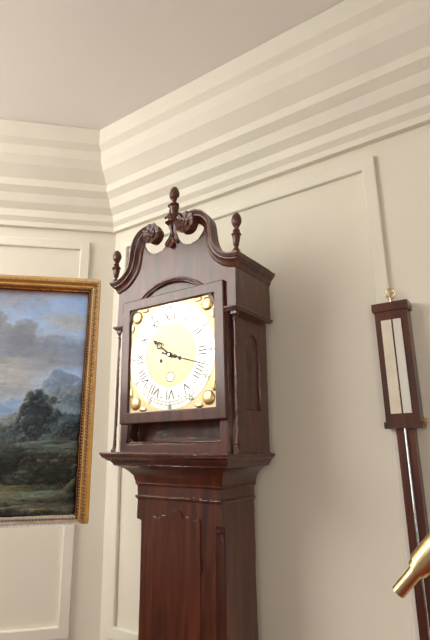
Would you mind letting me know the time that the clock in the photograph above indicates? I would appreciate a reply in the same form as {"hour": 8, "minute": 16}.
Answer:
{"hour": 10, "minute": 18}
